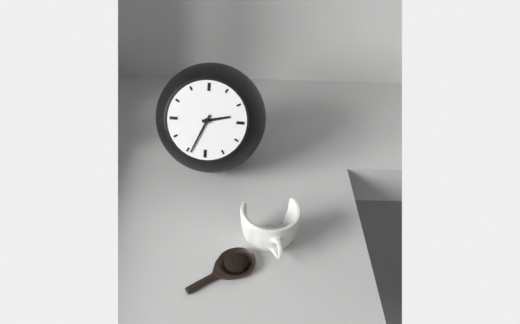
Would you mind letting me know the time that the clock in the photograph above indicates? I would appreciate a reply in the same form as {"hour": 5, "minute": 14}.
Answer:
{"hour": 2, "minute": 34}
